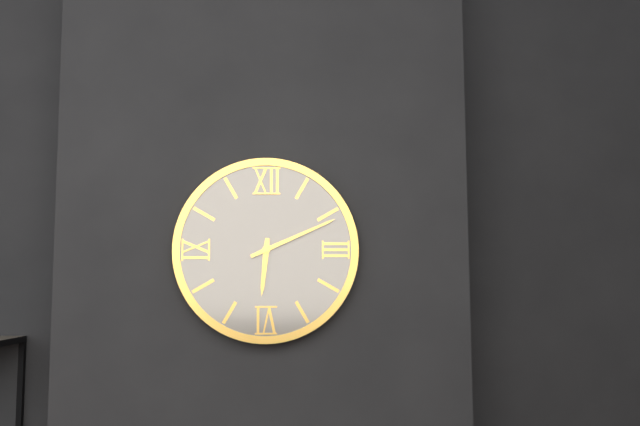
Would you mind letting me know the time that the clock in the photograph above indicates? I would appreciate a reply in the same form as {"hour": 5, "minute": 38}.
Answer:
{"hour": 6, "minute": 11}
